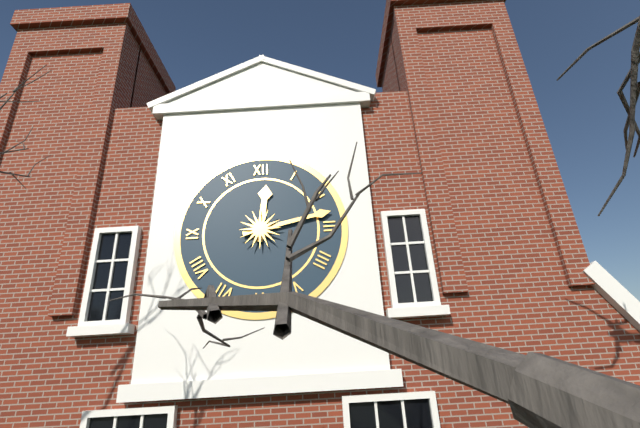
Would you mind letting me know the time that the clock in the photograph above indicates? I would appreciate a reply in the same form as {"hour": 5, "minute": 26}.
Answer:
{"hour": 12, "minute": 13}
